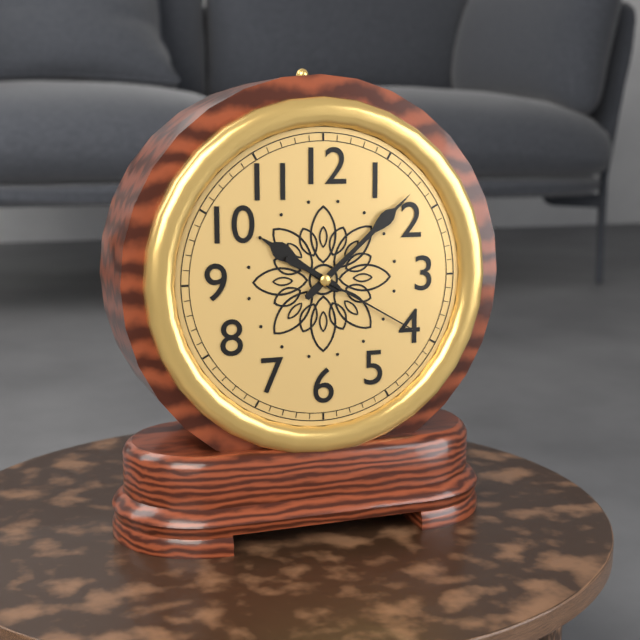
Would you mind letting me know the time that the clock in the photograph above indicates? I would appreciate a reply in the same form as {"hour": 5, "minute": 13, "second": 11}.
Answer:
{"hour": 10, "minute": 8, "second": 20}
